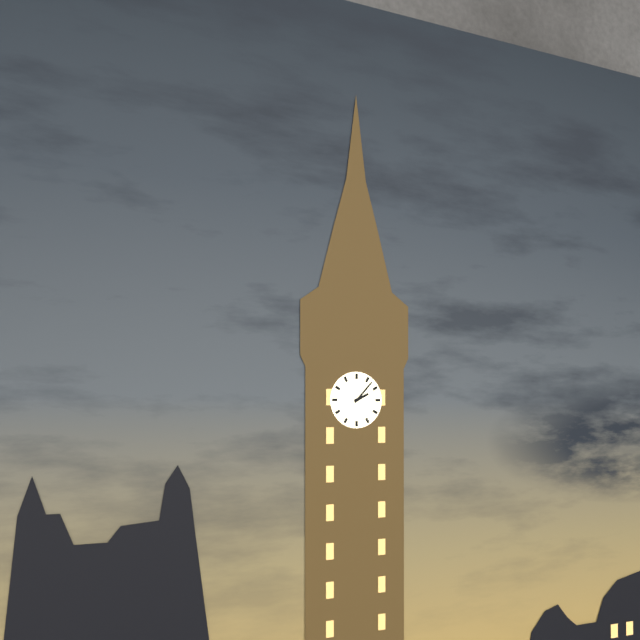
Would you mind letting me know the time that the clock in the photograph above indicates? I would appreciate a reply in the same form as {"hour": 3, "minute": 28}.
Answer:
{"hour": 2, "minute": 7}
